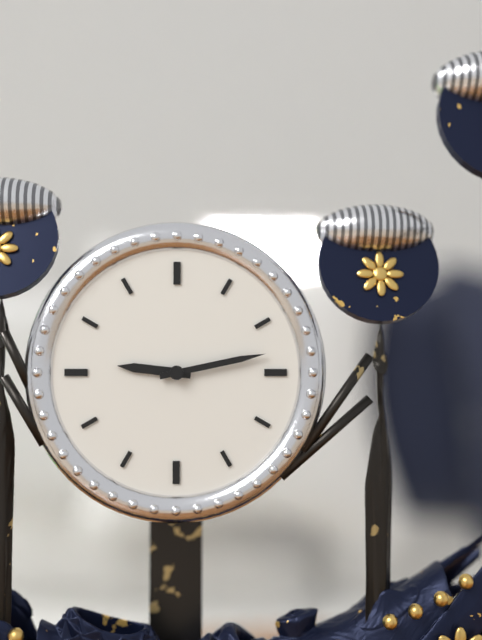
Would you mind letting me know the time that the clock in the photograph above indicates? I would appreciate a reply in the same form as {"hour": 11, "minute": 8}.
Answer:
{"hour": 9, "minute": 13}
